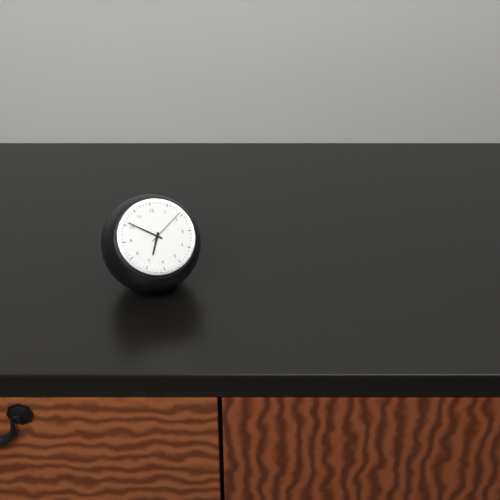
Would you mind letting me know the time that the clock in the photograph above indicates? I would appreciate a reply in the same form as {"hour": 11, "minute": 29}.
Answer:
{"hour": 6, "minute": 51}
